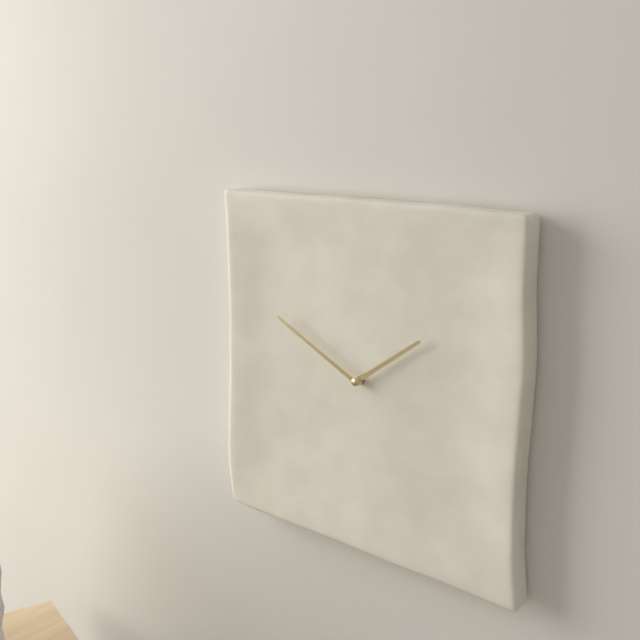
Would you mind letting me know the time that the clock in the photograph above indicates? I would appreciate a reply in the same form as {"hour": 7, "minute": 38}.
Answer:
{"hour": 1, "minute": 50}
